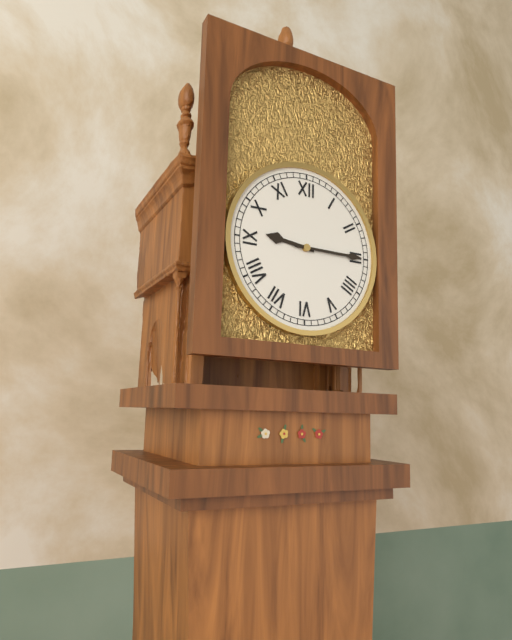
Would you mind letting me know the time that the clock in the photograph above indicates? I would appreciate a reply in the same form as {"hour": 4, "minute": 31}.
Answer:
{"hour": 9, "minute": 15}
